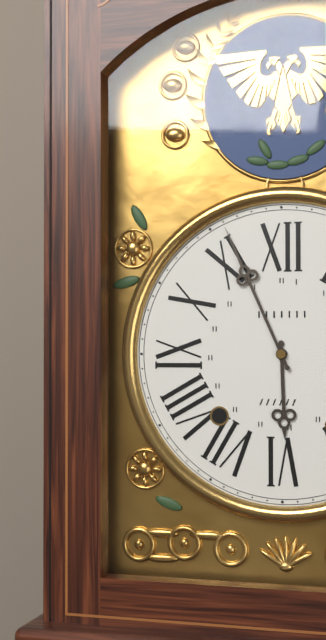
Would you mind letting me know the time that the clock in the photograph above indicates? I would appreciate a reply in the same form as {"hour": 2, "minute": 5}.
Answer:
{"hour": 5, "minute": 56}
